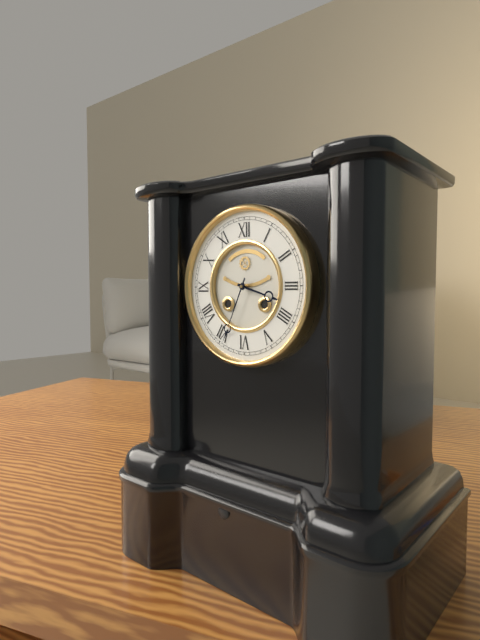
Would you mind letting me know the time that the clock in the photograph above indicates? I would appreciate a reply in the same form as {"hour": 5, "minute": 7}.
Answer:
{"hour": 3, "minute": 34}
